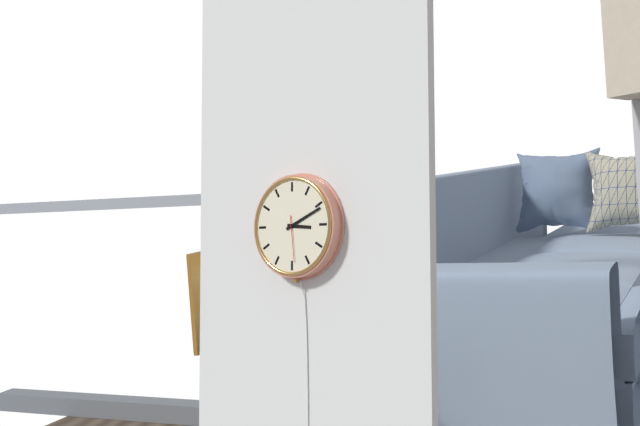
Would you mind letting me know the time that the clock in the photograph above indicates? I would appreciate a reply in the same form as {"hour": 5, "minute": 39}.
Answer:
{"hour": 3, "minute": 11}
